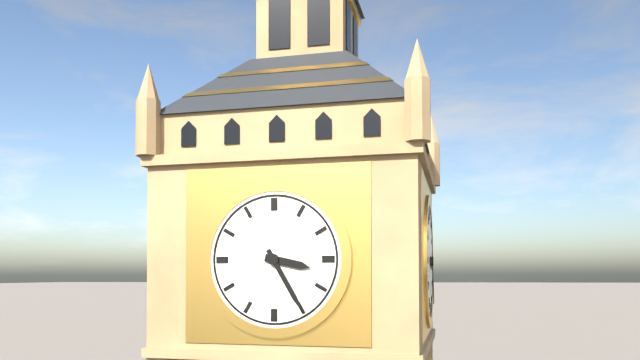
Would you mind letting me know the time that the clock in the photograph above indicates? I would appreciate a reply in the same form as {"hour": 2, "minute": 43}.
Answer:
{"hour": 3, "minute": 25}
